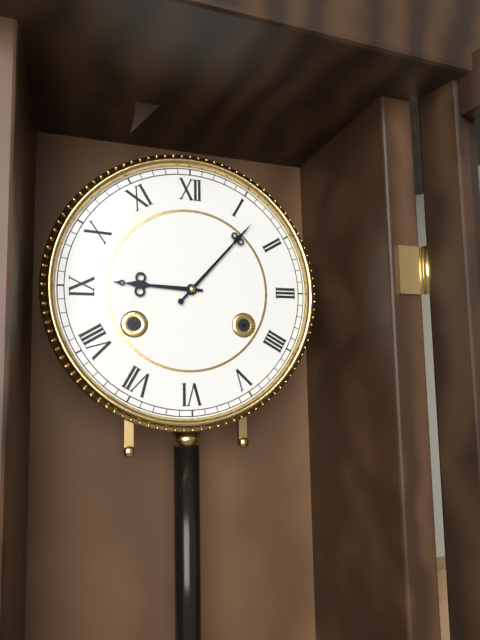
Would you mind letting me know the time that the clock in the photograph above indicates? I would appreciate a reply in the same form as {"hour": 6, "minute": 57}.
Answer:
{"hour": 9, "minute": 7}
